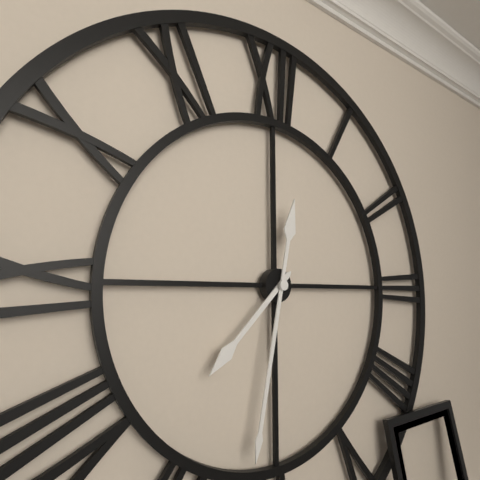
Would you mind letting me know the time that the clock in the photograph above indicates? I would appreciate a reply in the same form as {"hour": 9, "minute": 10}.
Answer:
{"hour": 7, "minute": 32}
